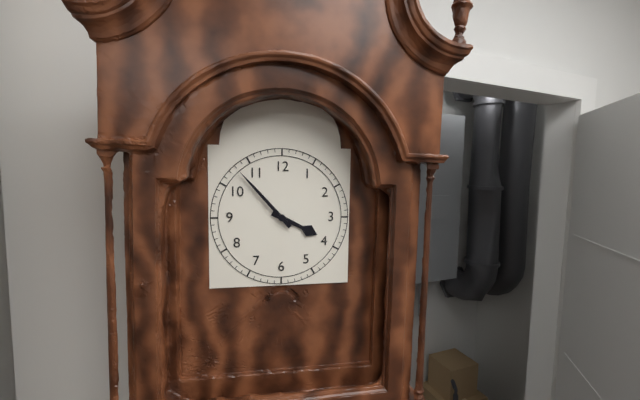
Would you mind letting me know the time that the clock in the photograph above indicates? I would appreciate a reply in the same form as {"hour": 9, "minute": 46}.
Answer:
{"hour": 3, "minute": 53}
